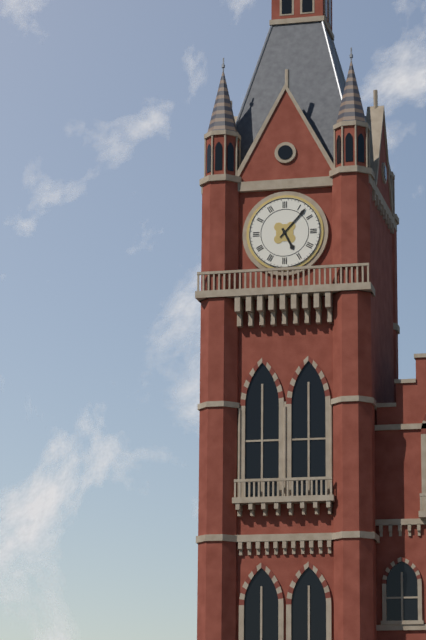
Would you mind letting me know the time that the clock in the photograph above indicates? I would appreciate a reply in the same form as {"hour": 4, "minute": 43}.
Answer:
{"hour": 5, "minute": 7}
